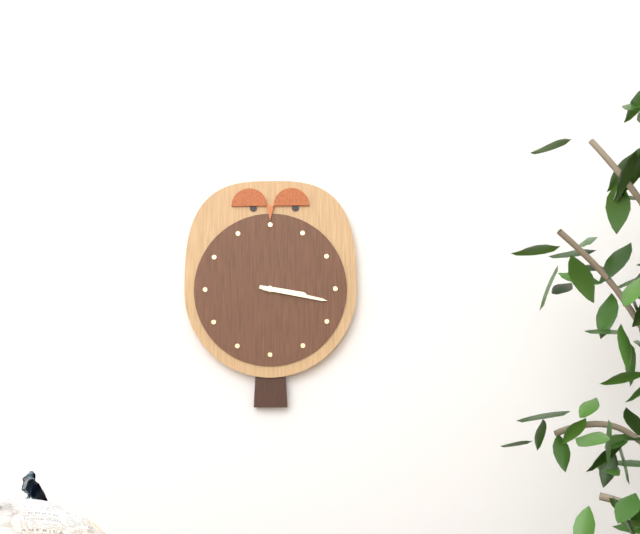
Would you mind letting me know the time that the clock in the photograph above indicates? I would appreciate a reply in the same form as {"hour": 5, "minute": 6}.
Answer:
{"hour": 3, "minute": 17}
